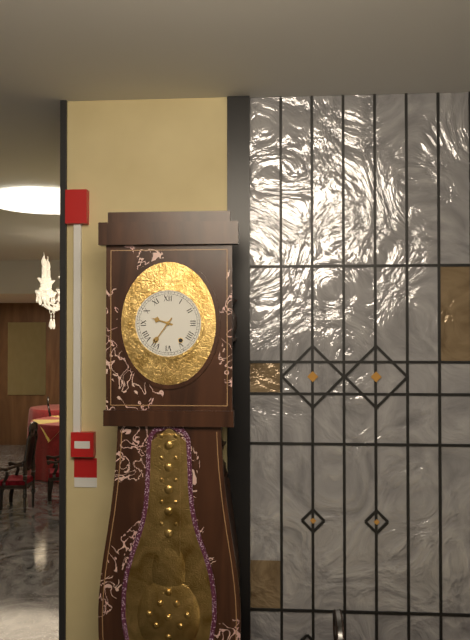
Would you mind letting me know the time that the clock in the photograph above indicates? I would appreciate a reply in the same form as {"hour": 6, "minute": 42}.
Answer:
{"hour": 9, "minute": 36}
